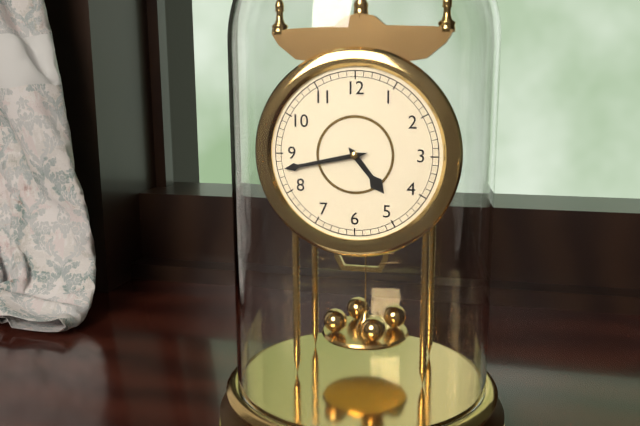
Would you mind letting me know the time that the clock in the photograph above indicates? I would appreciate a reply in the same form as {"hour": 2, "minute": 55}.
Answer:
{"hour": 4, "minute": 43}
